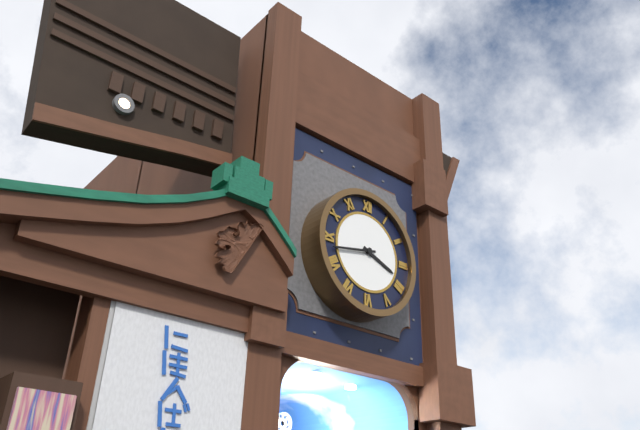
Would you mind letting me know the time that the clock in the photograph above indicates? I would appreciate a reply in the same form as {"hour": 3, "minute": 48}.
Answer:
{"hour": 3, "minute": 43}
